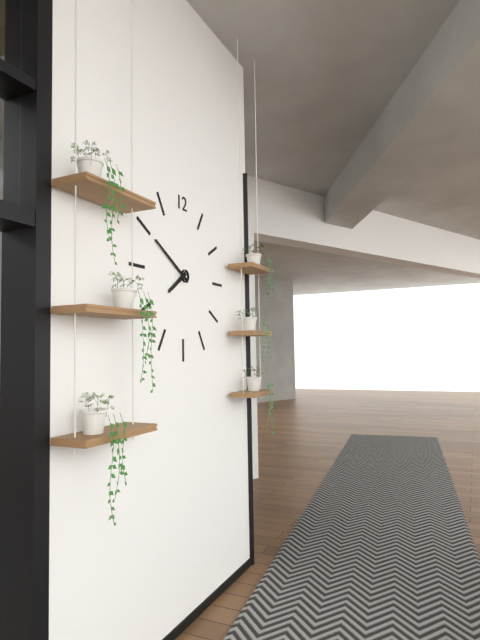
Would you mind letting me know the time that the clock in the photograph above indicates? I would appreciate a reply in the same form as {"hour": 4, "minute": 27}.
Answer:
{"hour": 7, "minute": 50}
